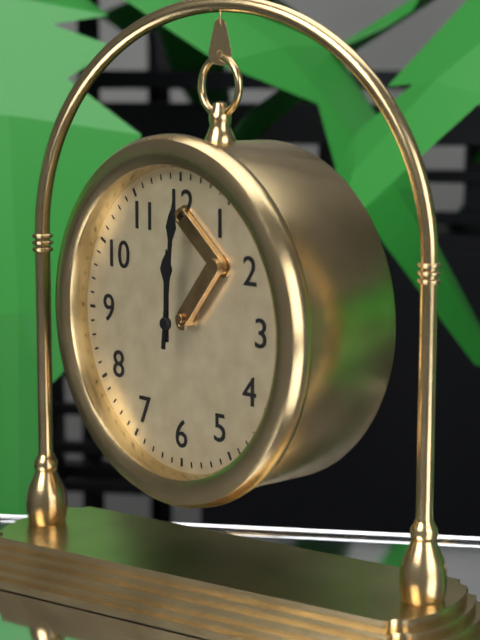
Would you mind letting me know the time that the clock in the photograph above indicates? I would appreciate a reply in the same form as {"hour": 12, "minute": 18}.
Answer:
{"hour": 12, "minute": 1}
